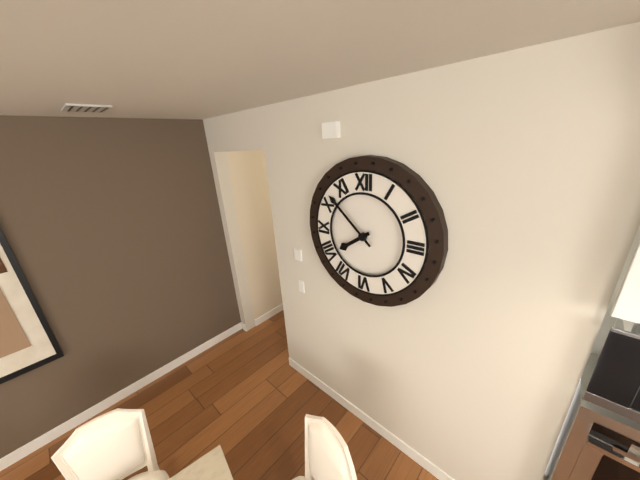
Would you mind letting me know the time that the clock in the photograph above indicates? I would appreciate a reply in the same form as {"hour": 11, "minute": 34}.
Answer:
{"hour": 7, "minute": 52}
